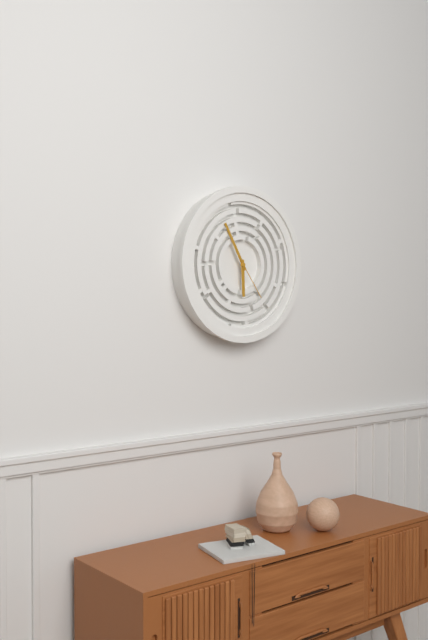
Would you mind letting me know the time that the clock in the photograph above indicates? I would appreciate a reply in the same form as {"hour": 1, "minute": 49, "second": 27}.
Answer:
{"hour": 5, "minute": 55, "second": 24}
